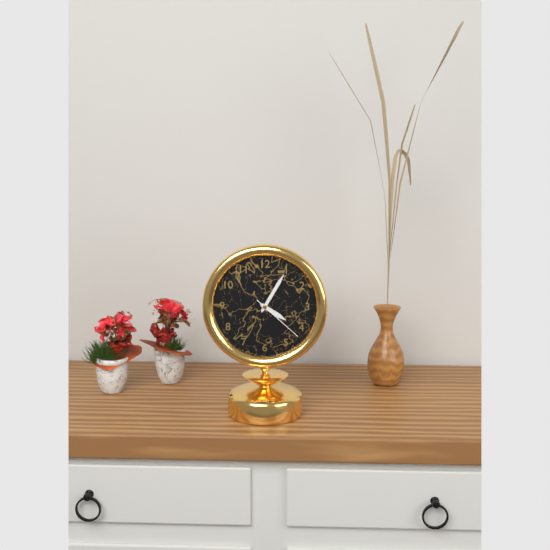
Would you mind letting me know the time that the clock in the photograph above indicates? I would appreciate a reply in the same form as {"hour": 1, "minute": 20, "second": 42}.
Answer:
{"hour": 4, "minute": 5, "second": 22}
